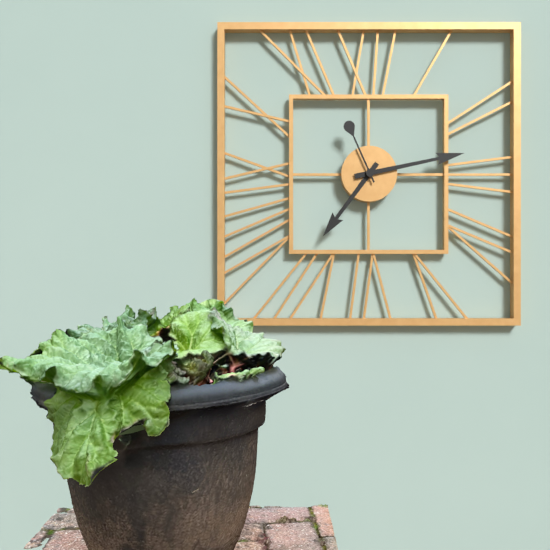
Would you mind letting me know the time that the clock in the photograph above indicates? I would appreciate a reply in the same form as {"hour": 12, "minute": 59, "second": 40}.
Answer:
{"hour": 7, "minute": 13, "second": 56}
